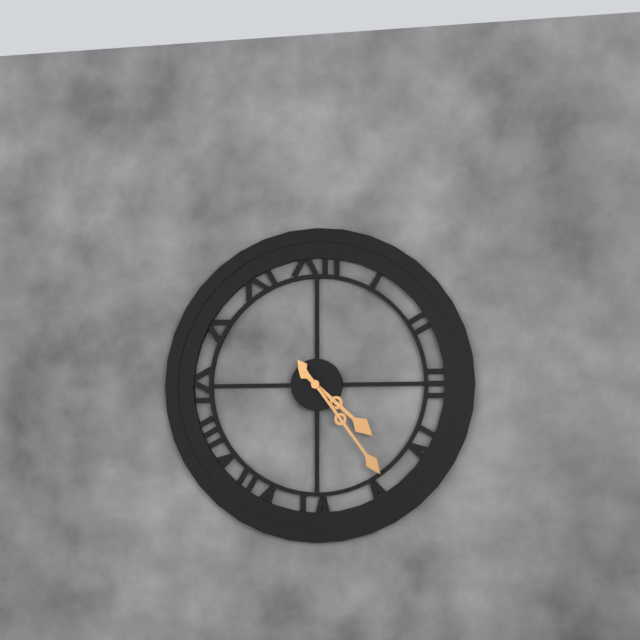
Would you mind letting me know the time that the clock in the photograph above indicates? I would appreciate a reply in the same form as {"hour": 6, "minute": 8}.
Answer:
{"hour": 4, "minute": 24}
